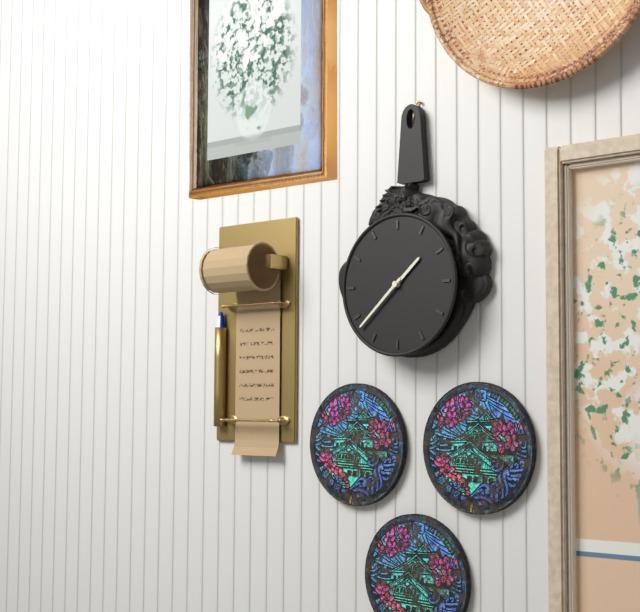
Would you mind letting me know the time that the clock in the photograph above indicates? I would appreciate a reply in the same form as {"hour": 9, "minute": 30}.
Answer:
{"hour": 1, "minute": 38}
